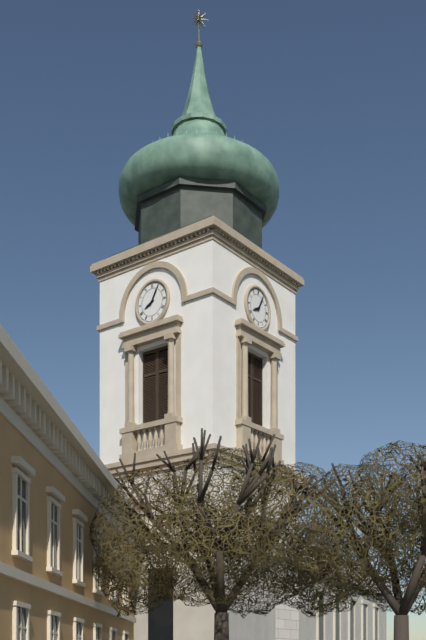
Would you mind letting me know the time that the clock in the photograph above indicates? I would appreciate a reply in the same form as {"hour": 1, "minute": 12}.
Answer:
{"hour": 8, "minute": 5}
